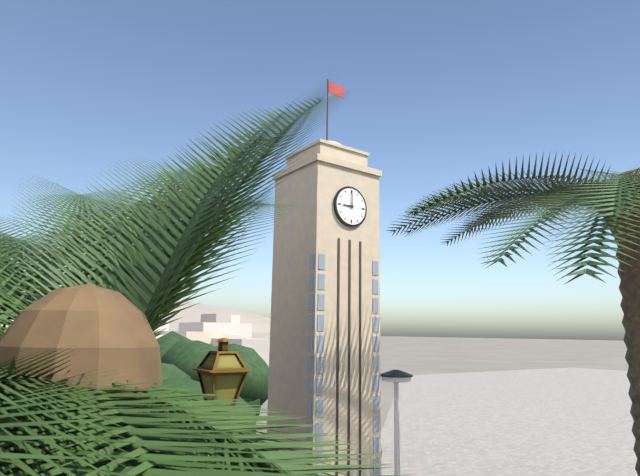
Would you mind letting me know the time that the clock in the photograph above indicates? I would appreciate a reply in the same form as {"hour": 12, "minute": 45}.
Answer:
{"hour": 9, "minute": 0}
